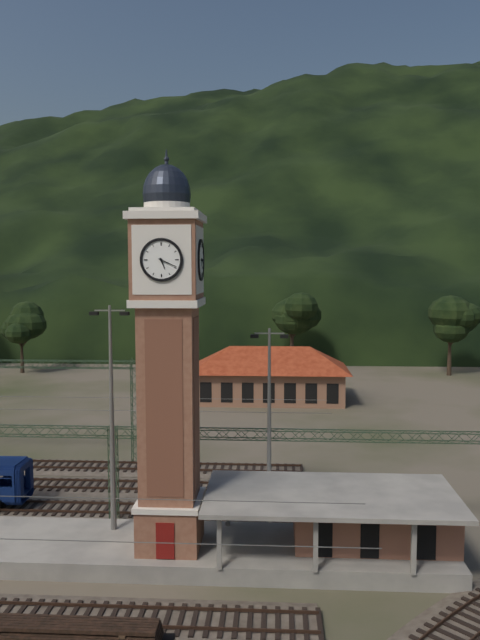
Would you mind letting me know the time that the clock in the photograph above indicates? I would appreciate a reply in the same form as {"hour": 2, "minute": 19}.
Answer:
{"hour": 5, "minute": 19}
